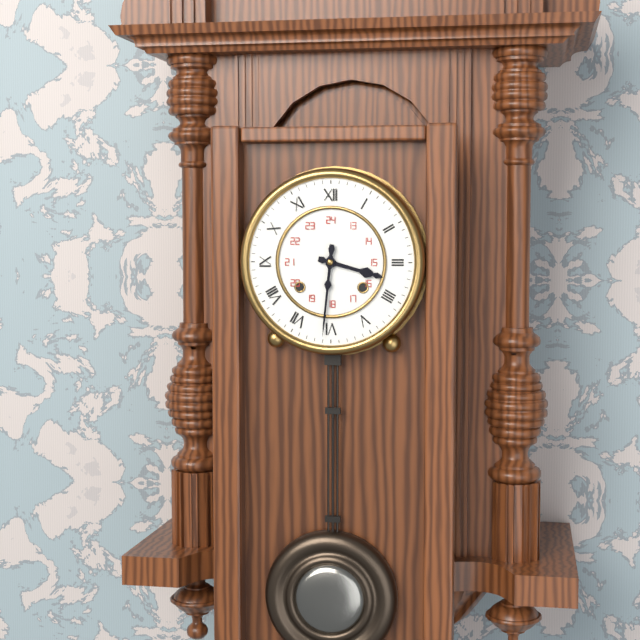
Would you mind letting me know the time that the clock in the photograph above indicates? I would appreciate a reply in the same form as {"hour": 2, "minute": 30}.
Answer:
{"hour": 3, "minute": 31}
